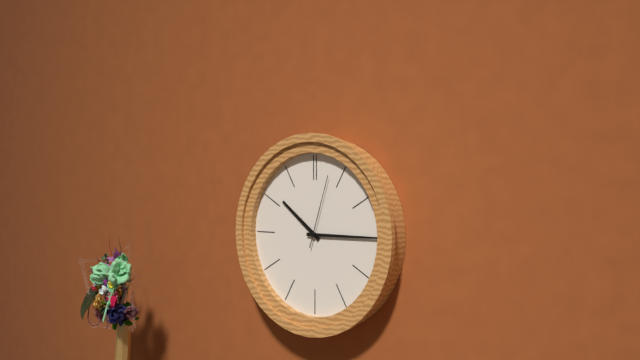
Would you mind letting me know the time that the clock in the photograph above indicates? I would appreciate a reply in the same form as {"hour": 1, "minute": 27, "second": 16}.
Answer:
{"hour": 10, "minute": 15, "second": 3}
